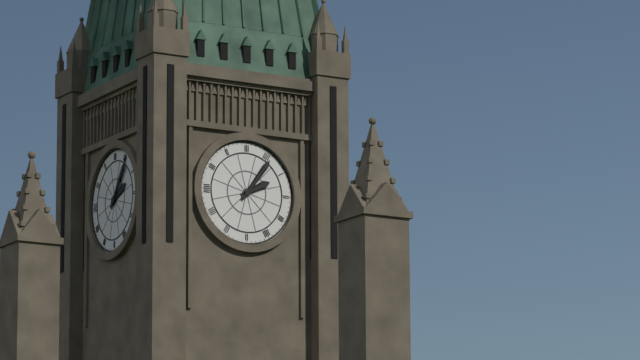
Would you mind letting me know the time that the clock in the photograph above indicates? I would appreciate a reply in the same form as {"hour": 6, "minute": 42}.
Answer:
{"hour": 2, "minute": 6}
